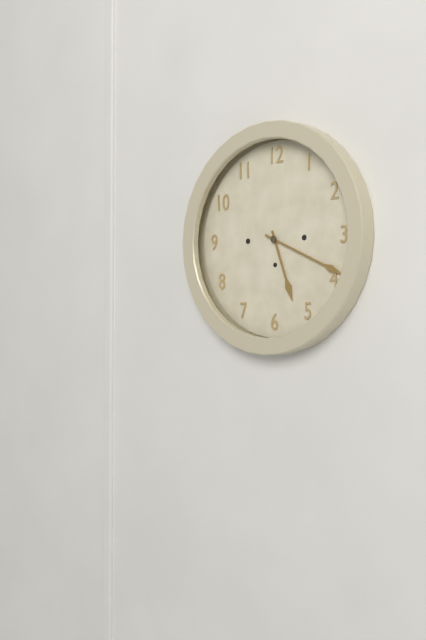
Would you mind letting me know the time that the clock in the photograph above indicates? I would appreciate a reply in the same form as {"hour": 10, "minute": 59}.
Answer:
{"hour": 5, "minute": 19}
